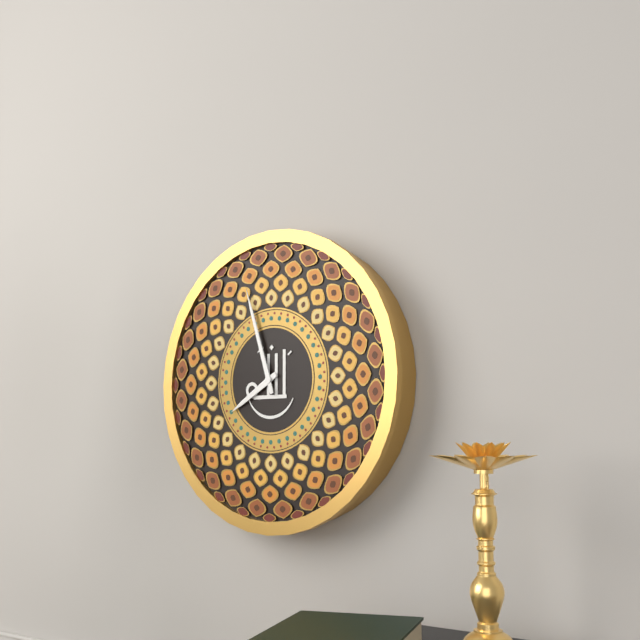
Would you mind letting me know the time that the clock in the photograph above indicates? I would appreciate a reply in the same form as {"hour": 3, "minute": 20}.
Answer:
{"hour": 7, "minute": 57}
